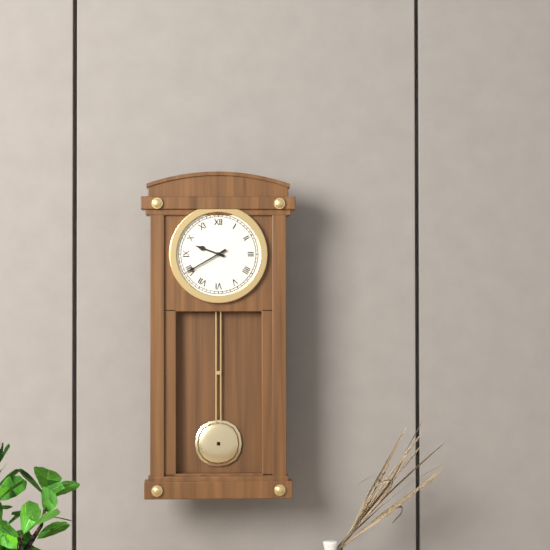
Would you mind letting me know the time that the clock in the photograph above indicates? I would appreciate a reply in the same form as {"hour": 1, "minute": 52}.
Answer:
{"hour": 9, "minute": 40}
